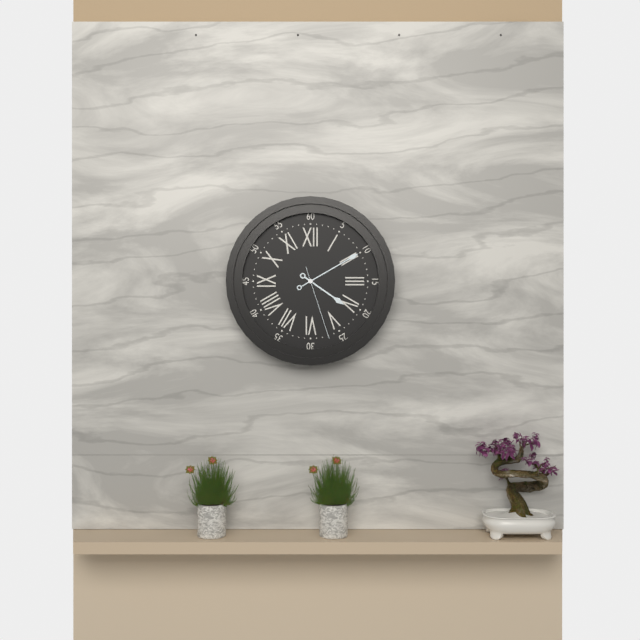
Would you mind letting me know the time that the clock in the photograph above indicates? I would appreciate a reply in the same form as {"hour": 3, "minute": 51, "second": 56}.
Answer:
{"hour": 4, "minute": 10, "second": 27}
